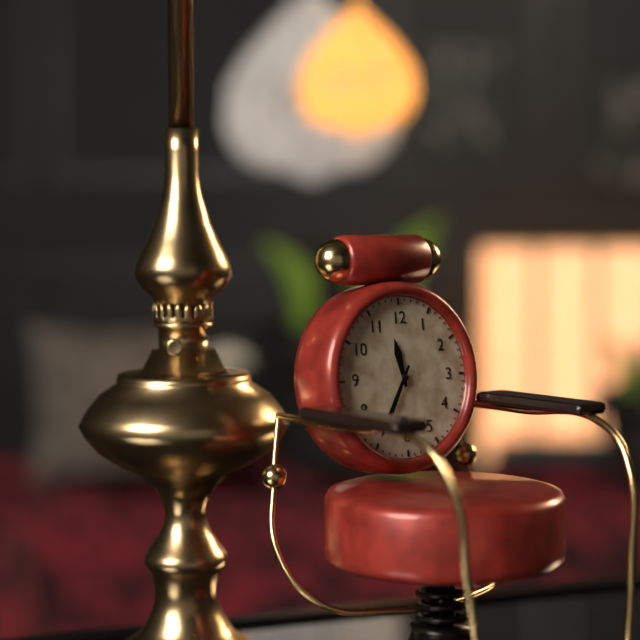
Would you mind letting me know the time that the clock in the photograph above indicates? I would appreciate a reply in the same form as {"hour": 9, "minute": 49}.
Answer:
{"hour": 11, "minute": 35}
